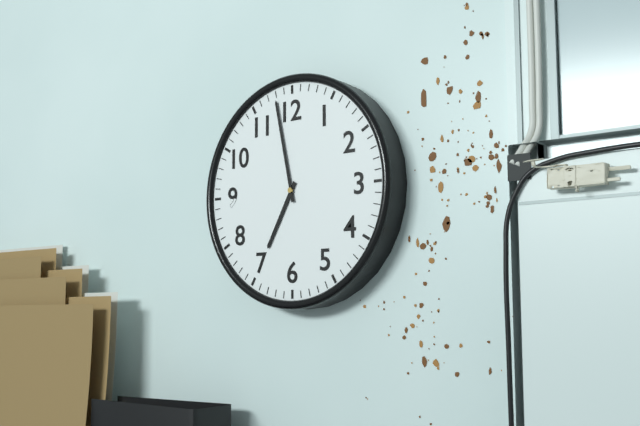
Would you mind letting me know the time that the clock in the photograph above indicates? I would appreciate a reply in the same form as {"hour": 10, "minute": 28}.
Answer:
{"hour": 6, "minute": 58}
